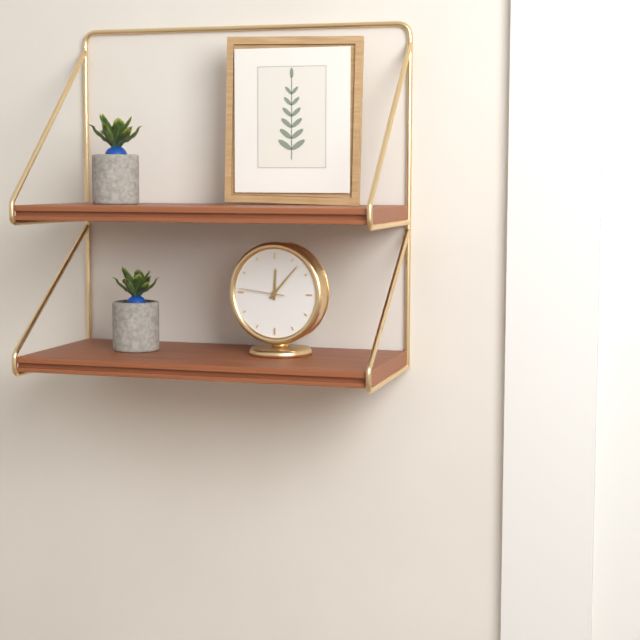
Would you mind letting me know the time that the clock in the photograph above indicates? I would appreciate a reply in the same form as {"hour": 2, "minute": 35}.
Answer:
{"hour": 12, "minute": 7}
